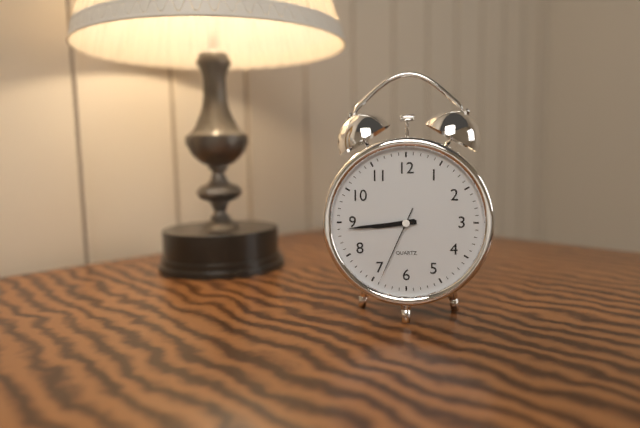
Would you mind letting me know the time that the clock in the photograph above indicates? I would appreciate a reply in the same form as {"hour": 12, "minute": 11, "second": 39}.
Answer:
{"hour": 8, "minute": 44, "second": 34}
